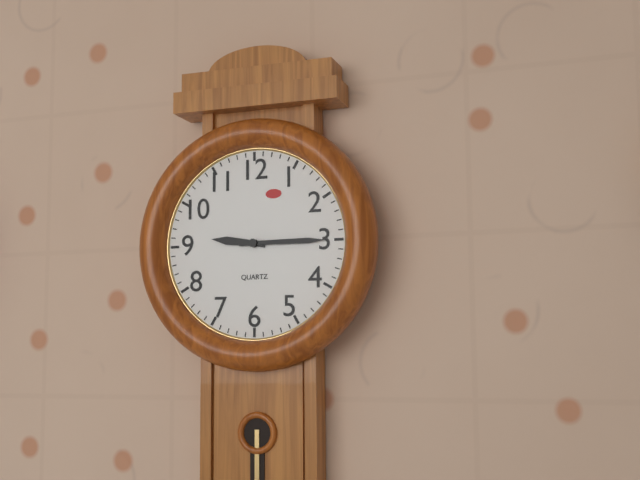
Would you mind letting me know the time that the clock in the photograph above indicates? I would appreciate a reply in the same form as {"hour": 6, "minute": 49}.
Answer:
{"hour": 9, "minute": 15}
